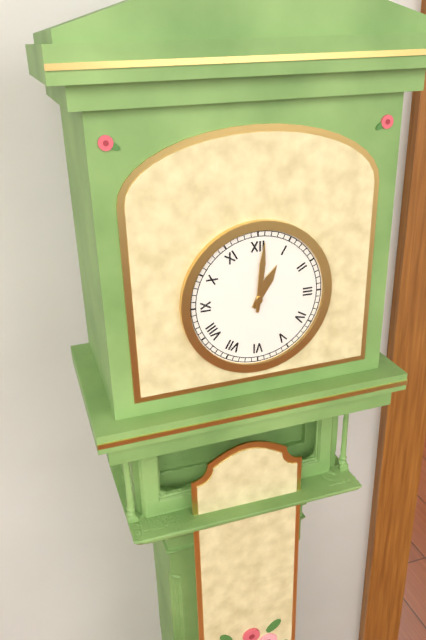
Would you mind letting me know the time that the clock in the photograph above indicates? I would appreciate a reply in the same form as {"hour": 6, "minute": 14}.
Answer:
{"hour": 1, "minute": 1}
